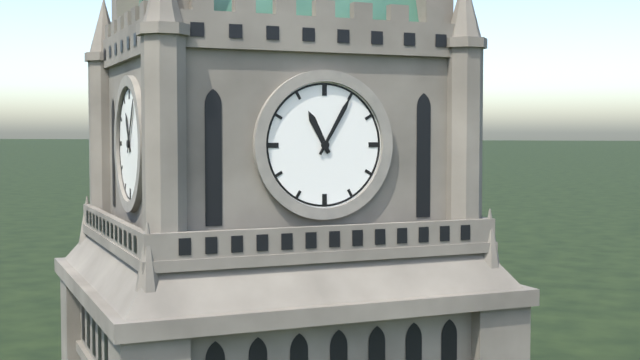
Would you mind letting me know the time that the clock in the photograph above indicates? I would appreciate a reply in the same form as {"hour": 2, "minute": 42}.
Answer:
{"hour": 11, "minute": 5}
